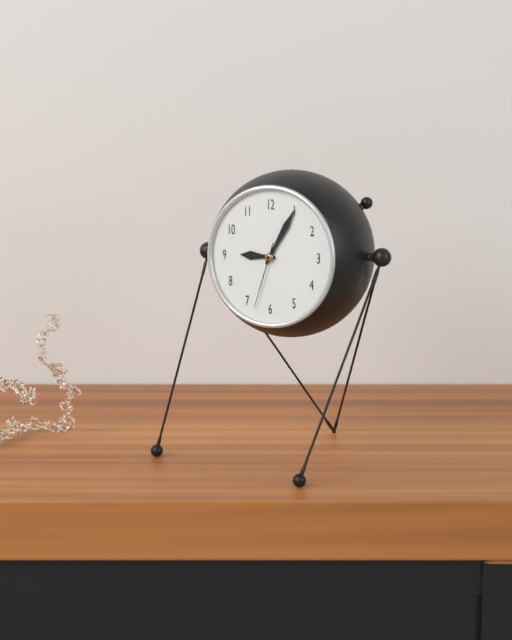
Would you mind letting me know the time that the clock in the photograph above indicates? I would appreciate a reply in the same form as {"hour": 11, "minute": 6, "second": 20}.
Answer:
{"hour": 9, "minute": 5, "second": 33}
